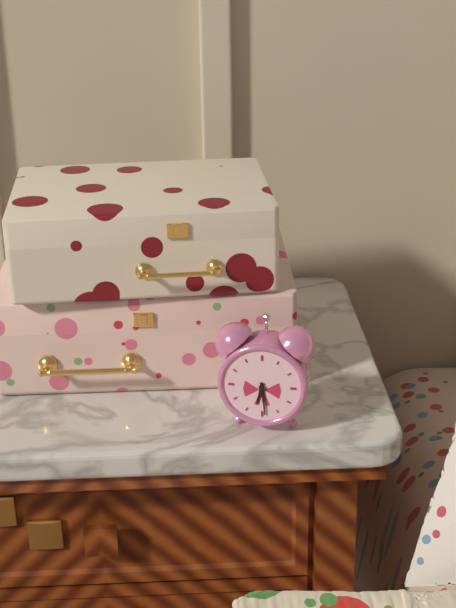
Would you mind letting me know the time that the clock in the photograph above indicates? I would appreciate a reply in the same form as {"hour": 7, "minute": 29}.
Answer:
{"hour": 6, "minute": 29}
